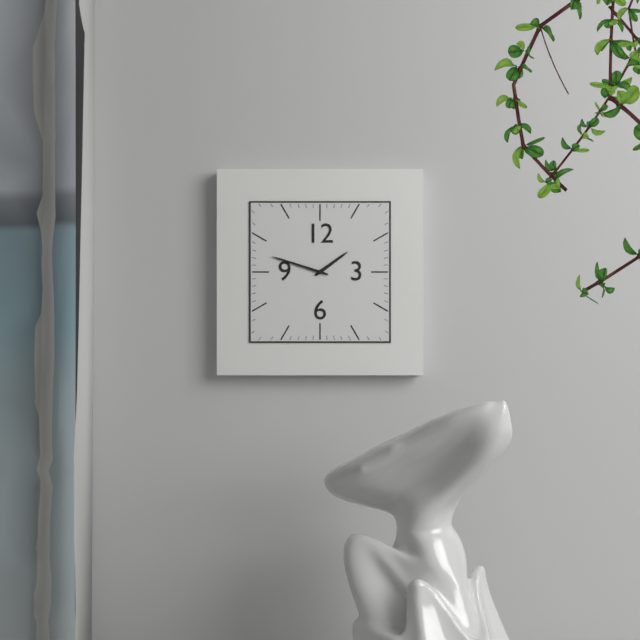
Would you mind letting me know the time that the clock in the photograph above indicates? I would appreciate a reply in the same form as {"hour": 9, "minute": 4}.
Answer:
{"hour": 1, "minute": 48}
